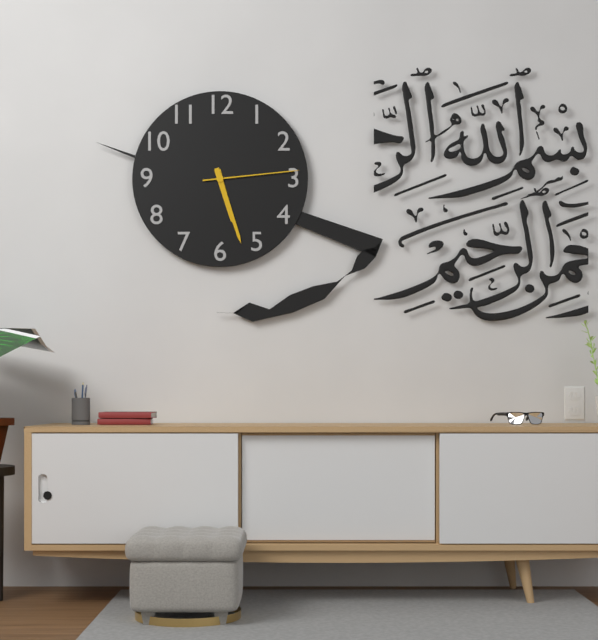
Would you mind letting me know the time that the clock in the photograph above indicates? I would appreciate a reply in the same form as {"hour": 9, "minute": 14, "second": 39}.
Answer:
{"hour": 5, "minute": 27, "second": 14}
